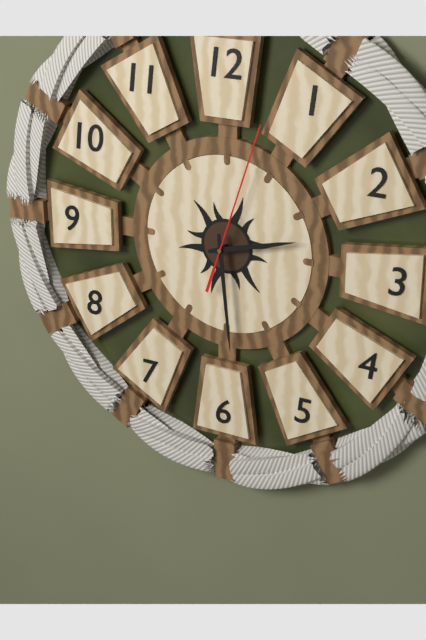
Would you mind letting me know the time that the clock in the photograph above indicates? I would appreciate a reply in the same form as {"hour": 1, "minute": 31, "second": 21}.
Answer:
{"hour": 2, "minute": 29, "second": 3}
